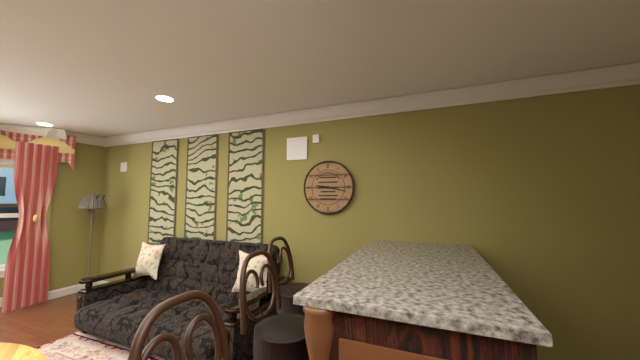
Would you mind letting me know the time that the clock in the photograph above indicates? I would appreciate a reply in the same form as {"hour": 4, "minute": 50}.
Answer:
{"hour": 9, "minute": 17}
